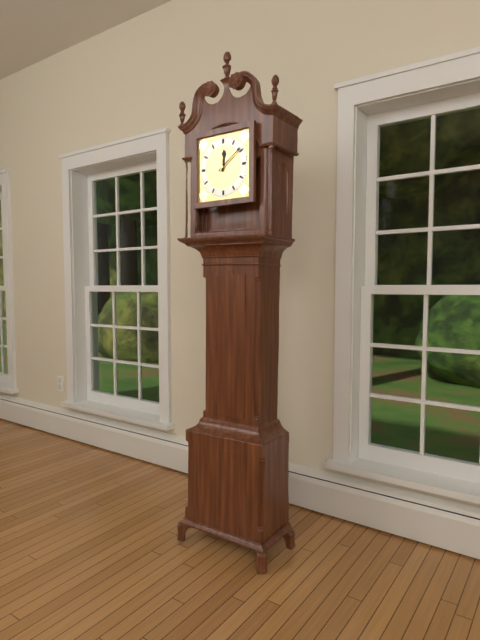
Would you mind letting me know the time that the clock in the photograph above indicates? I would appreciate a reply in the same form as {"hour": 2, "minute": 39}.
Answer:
{"hour": 12, "minute": 9}
